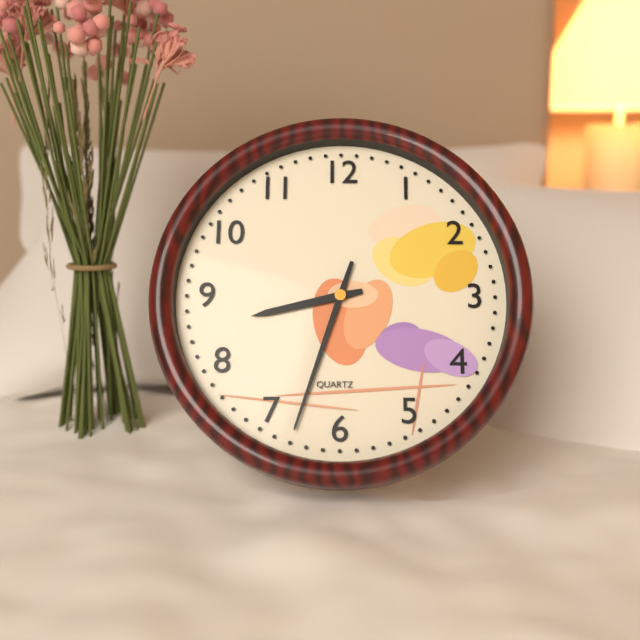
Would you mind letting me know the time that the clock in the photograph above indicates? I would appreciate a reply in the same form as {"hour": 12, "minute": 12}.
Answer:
{"hour": 8, "minute": 33}
